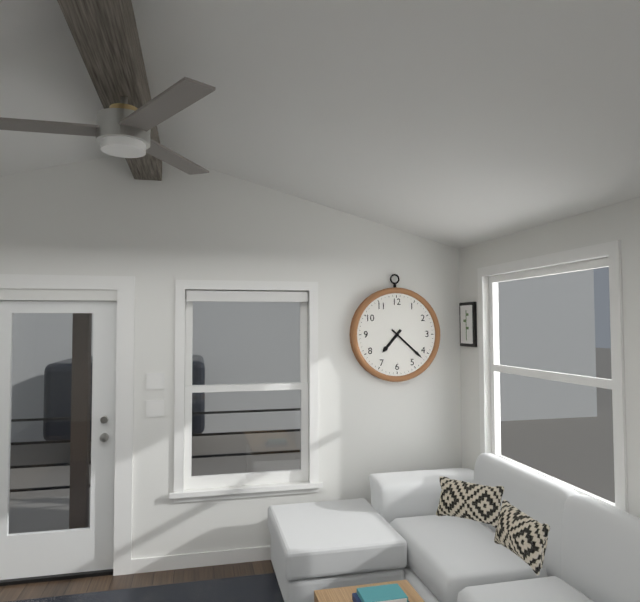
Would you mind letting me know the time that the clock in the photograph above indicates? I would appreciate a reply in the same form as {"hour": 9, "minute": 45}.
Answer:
{"hour": 7, "minute": 22}
